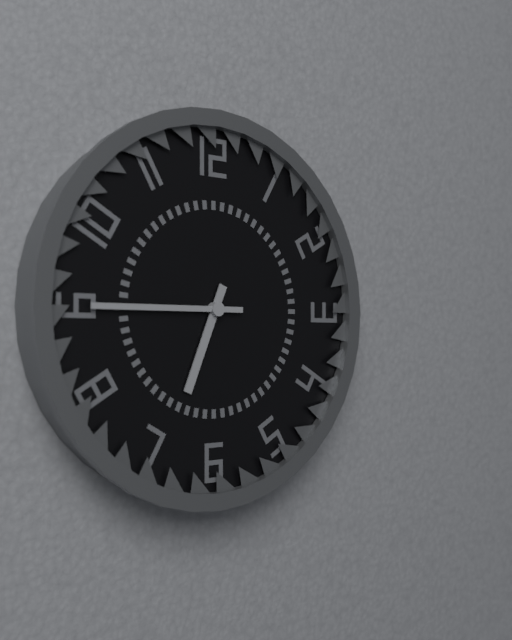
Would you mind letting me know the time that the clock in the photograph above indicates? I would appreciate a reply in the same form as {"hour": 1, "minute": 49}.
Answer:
{"hour": 6, "minute": 45}
